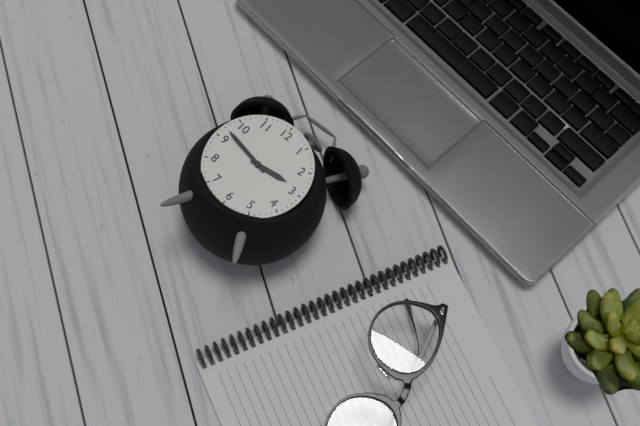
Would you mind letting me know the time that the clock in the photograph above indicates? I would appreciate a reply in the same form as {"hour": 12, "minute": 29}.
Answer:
{"hour": 2, "minute": 47}
